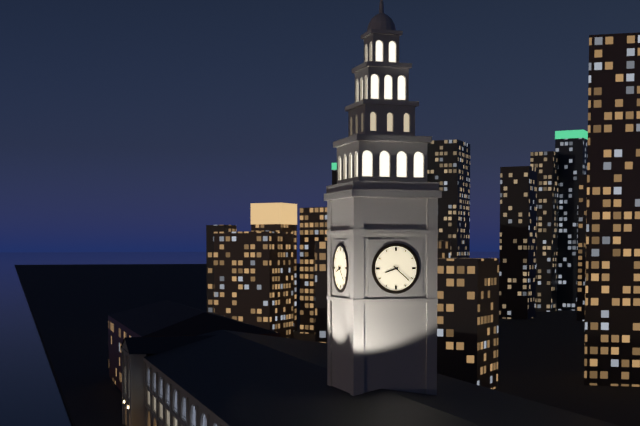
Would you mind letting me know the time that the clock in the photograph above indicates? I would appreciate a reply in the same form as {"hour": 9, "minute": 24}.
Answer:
{"hour": 8, "minute": 22}
